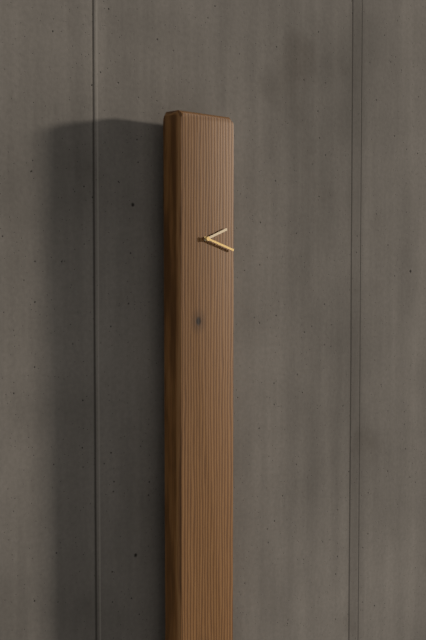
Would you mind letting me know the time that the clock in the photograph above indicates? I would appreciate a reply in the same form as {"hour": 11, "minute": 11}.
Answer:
{"hour": 2, "minute": 18}
